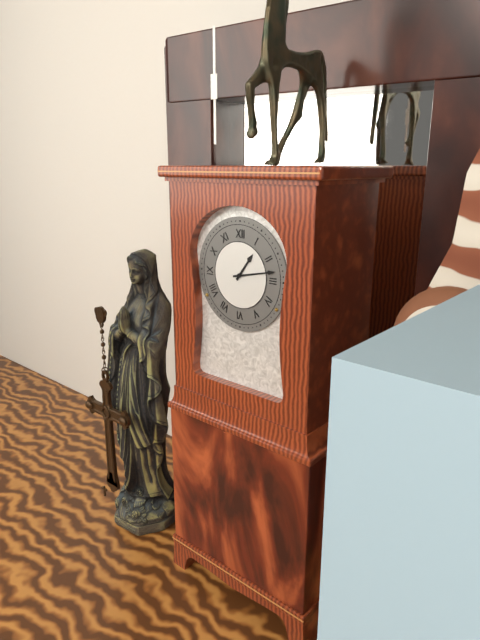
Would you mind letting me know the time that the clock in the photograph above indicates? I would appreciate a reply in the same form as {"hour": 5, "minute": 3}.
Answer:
{"hour": 1, "minute": 13}
